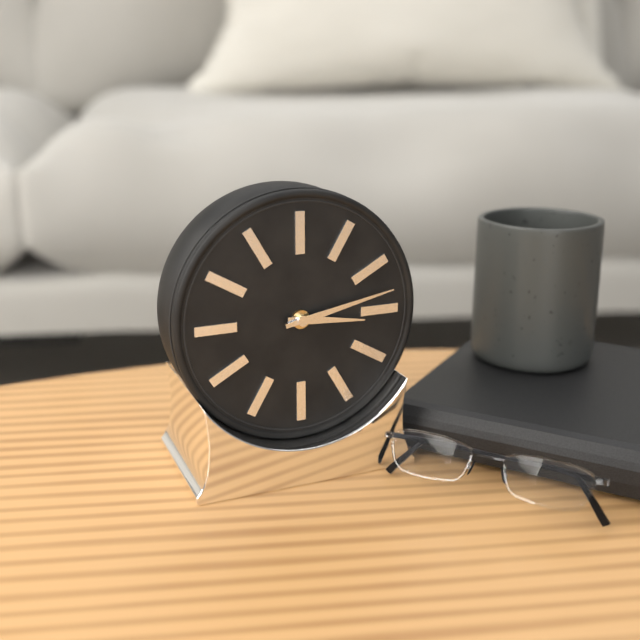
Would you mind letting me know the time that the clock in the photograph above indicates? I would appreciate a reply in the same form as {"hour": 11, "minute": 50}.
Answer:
{"hour": 3, "minute": 13}
